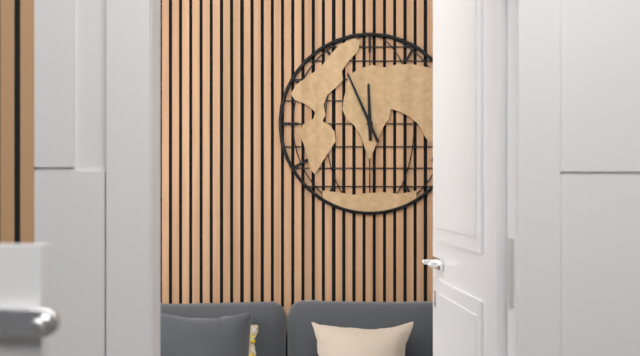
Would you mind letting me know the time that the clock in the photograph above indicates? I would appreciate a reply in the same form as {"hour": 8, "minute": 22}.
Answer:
{"hour": 11, "minute": 56}
